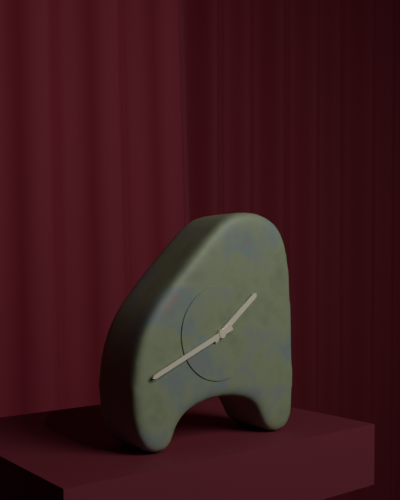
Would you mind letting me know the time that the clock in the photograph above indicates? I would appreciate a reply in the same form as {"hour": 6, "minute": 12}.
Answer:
{"hour": 1, "minute": 41}
